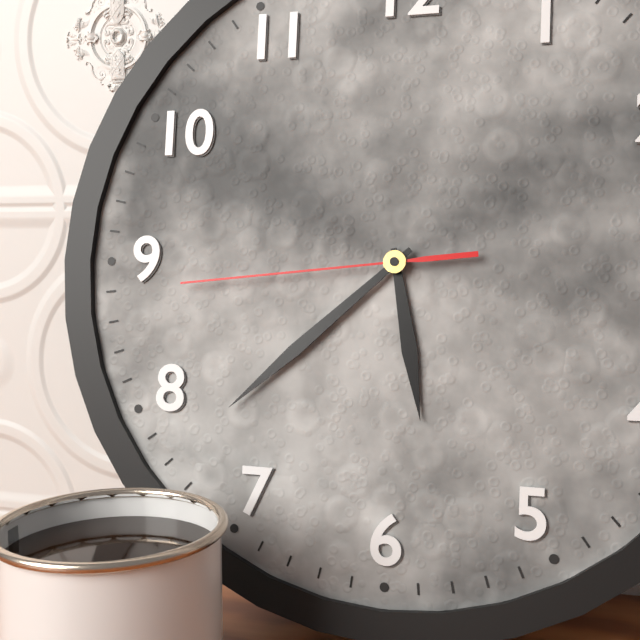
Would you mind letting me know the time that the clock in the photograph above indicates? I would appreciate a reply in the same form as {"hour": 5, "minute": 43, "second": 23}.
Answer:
{"hour": 5, "minute": 38, "second": 44}
